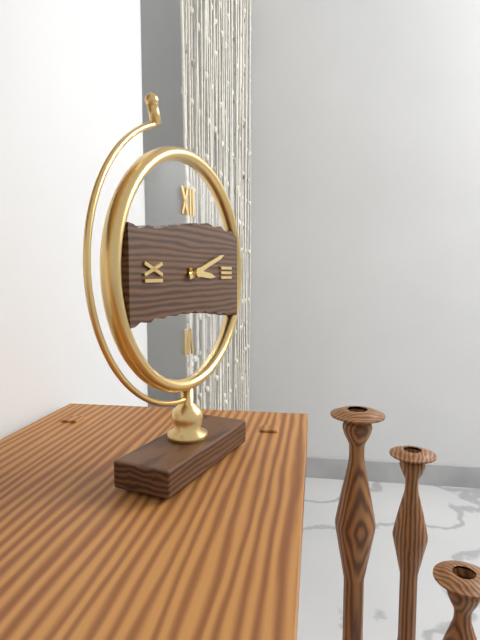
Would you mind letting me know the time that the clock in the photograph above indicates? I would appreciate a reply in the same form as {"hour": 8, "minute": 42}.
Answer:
{"hour": 3, "minute": 12}
